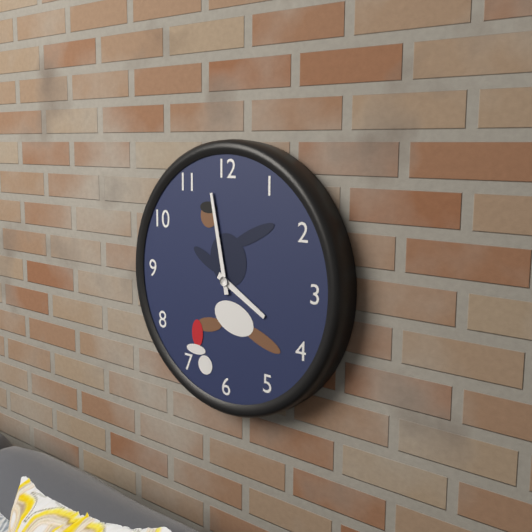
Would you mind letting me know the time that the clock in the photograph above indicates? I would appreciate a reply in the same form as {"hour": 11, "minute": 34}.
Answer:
{"hour": 3, "minute": 58}
